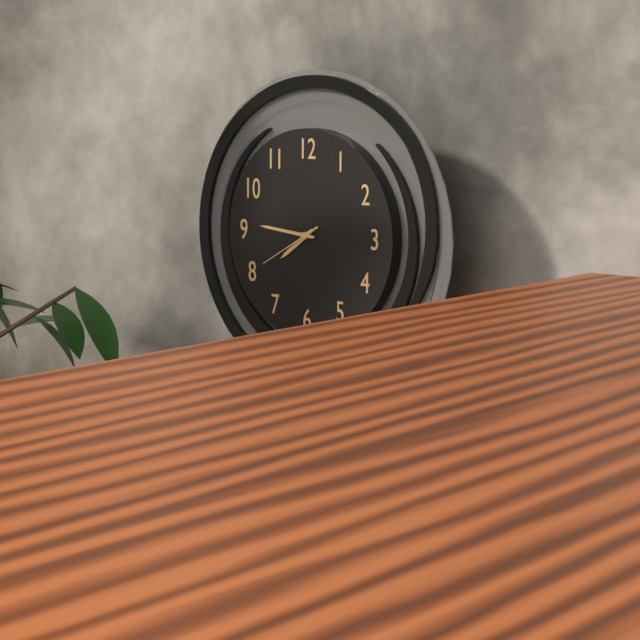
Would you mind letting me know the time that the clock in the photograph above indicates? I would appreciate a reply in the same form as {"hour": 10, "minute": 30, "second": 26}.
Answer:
{"hour": 7, "minute": 46, "second": 40}
